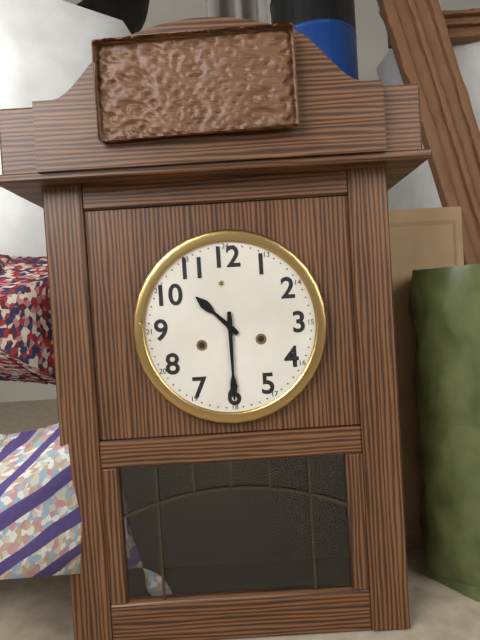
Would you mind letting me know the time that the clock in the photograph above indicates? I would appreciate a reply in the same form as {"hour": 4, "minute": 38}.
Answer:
{"hour": 10, "minute": 30}
